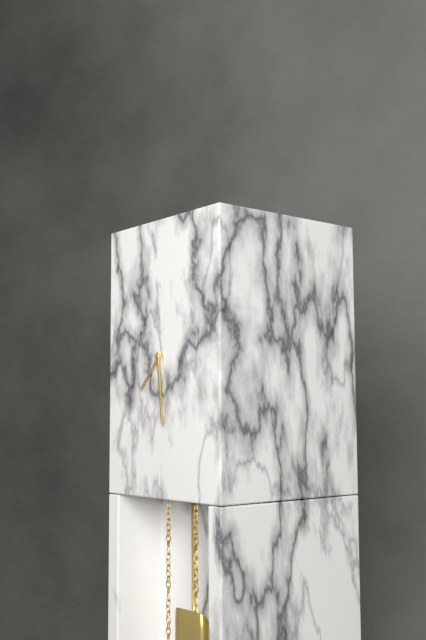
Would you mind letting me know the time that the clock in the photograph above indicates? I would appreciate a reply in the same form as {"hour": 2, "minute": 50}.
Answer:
{"hour": 7, "minute": 29}
